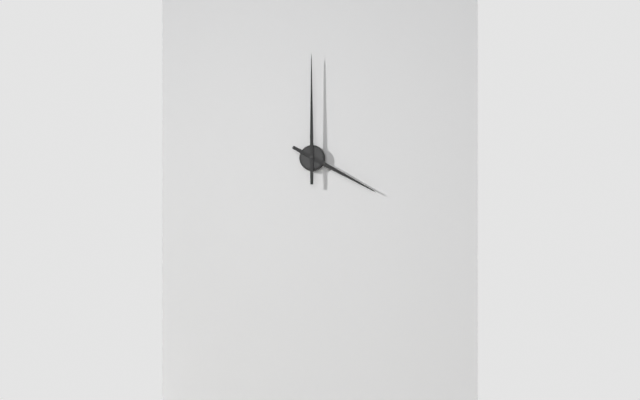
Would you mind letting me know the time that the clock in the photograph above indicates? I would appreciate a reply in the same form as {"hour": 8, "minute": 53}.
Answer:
{"hour": 4, "minute": 0}
